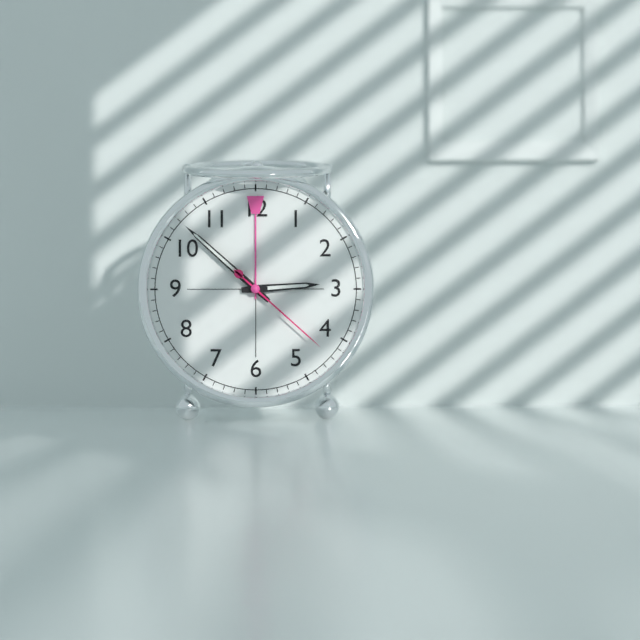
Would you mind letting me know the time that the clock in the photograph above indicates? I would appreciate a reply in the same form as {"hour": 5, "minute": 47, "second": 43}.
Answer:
{"hour": 2, "minute": 52, "second": 22}
